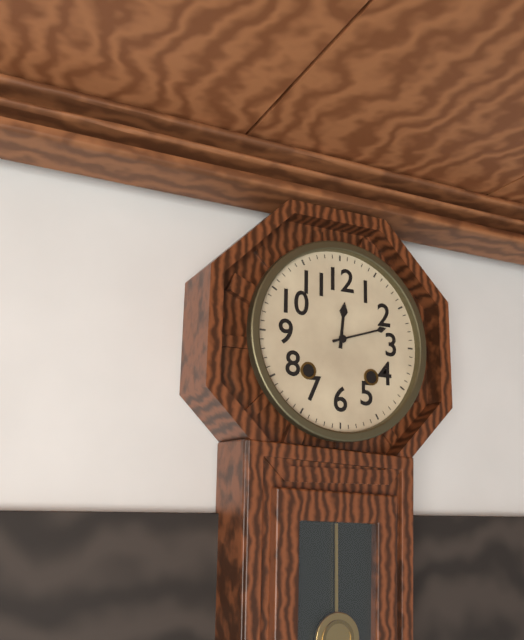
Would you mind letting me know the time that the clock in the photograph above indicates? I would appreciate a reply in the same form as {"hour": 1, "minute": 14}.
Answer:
{"hour": 12, "minute": 12}
